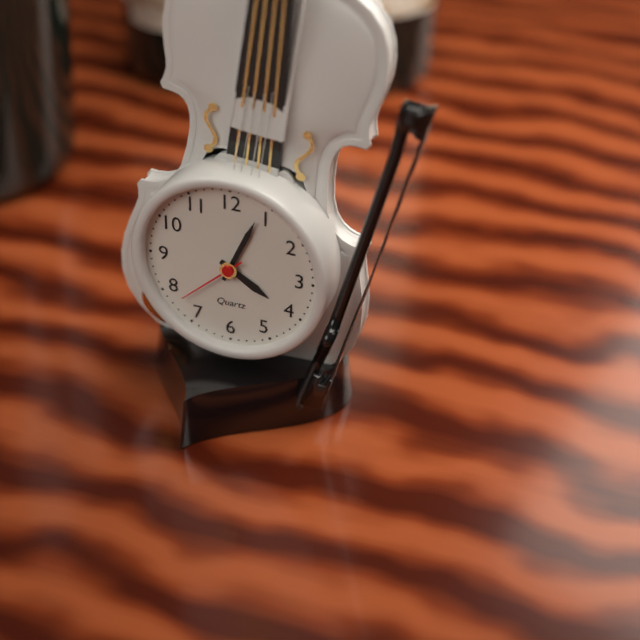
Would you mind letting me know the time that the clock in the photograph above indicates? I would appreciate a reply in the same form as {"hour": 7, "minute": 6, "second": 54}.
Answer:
{"hour": 4, "minute": 4, "second": 38}
